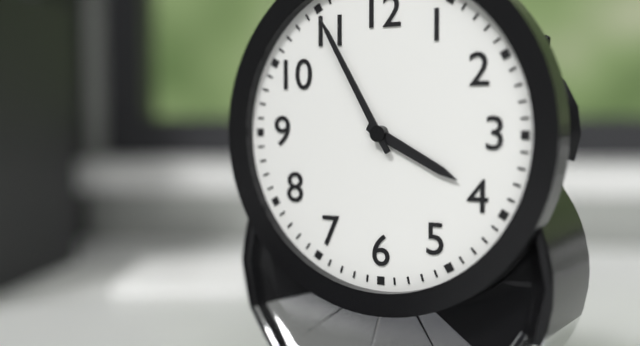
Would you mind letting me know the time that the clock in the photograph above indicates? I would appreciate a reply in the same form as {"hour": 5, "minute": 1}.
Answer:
{"hour": 3, "minute": 55}
